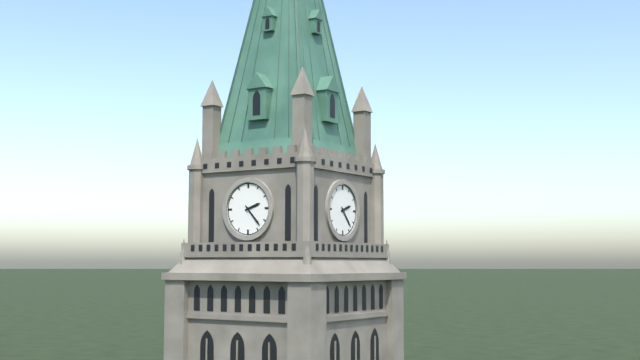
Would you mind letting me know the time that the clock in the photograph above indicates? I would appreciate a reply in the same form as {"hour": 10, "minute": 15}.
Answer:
{"hour": 2, "minute": 23}
